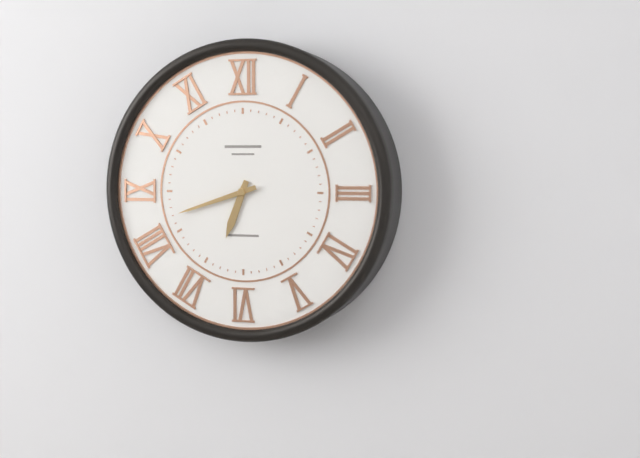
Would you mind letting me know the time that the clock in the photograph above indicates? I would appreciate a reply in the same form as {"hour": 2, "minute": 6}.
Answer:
{"hour": 6, "minute": 42}
